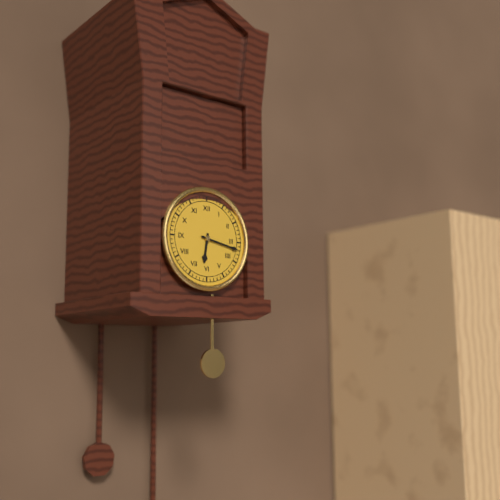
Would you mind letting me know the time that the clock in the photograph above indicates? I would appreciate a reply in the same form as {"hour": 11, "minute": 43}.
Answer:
{"hour": 6, "minute": 17}
